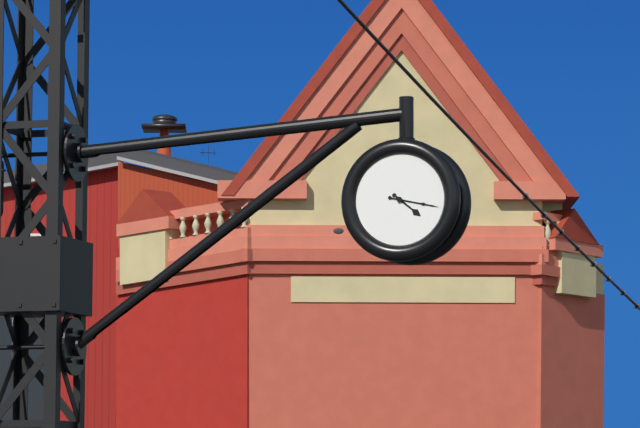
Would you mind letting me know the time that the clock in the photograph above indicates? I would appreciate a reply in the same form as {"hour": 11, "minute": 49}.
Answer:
{"hour": 4, "minute": 17}
